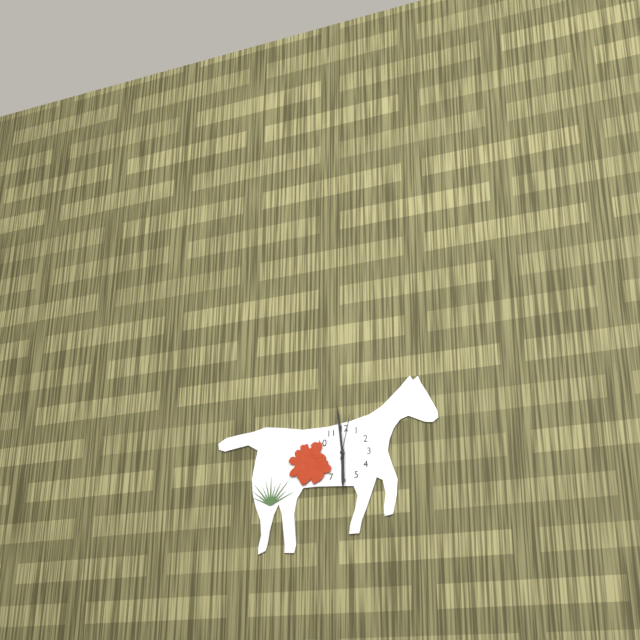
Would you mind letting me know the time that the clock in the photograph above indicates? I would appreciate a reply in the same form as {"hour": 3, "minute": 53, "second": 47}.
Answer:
{"hour": 5, "minute": 59, "second": 2}
